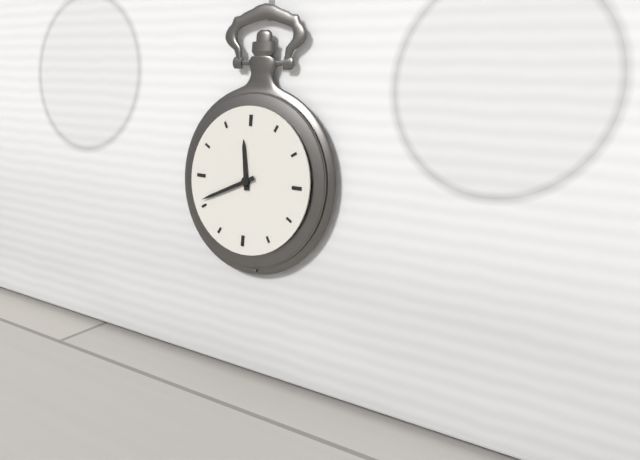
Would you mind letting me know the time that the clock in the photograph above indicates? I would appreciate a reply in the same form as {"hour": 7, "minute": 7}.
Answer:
{"hour": 11, "minute": 41}
